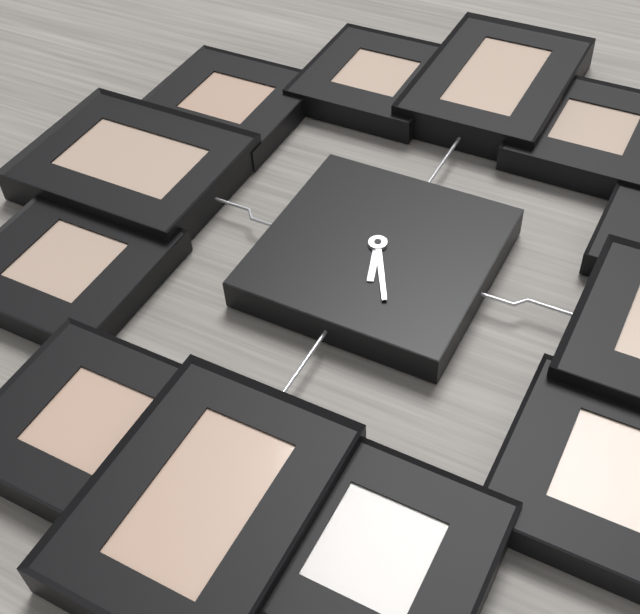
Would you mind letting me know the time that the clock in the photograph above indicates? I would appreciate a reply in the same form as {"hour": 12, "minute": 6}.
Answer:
{"hour": 5, "minute": 25}
